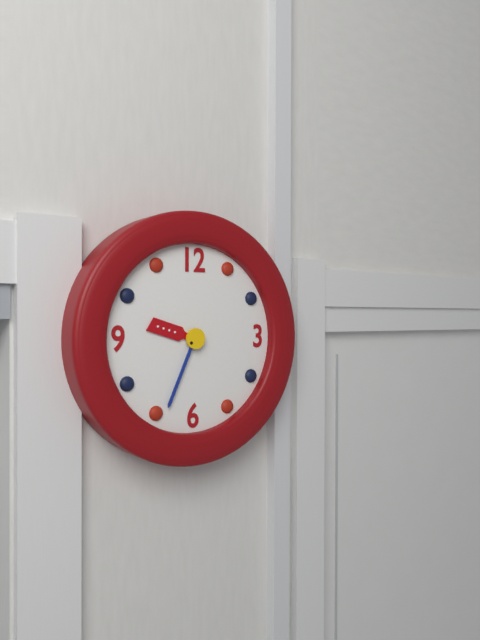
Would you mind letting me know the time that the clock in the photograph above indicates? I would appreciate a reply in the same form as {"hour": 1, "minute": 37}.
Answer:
{"hour": 9, "minute": 34}
